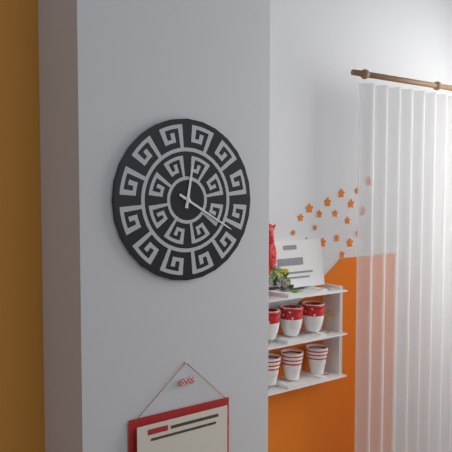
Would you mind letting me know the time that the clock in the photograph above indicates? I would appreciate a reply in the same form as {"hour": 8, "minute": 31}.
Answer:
{"hour": 12, "minute": 20}
